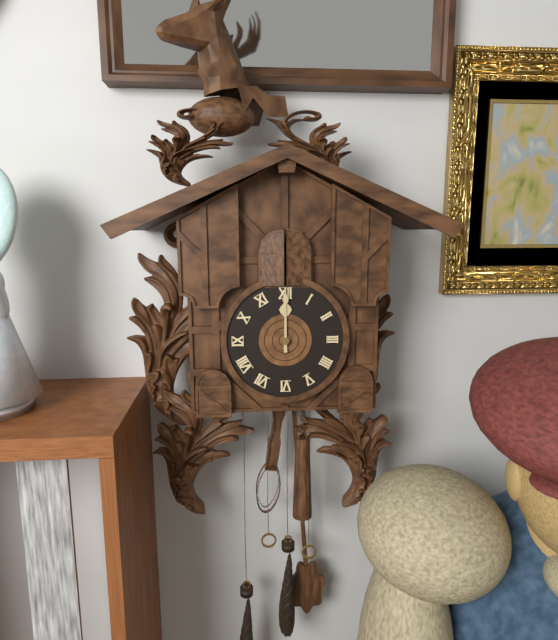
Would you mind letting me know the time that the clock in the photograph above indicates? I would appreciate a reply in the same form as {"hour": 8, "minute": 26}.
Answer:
{"hour": 12, "minute": 0}
